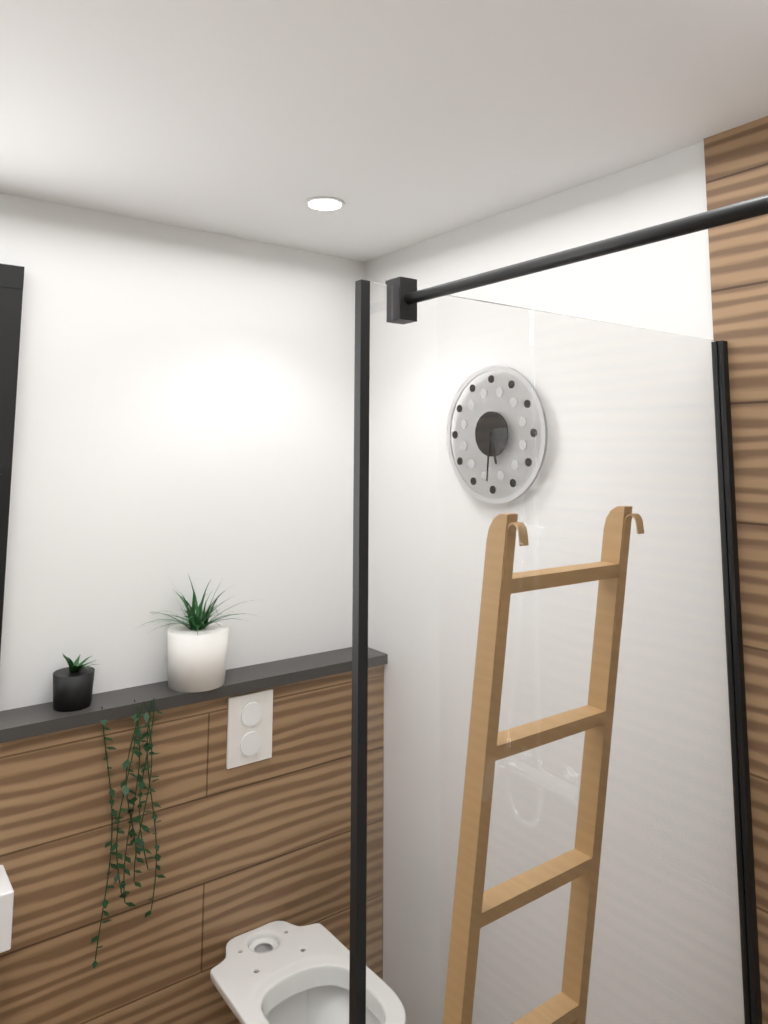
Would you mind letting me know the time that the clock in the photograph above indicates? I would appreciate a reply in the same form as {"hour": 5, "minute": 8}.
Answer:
{"hour": 5, "minute": 31}
